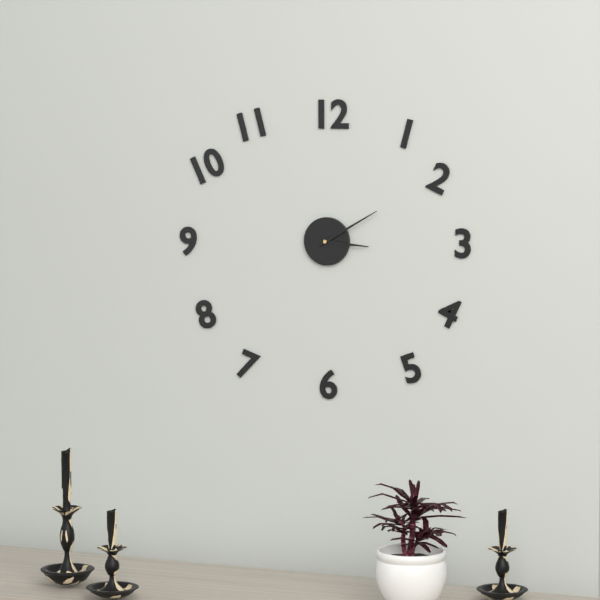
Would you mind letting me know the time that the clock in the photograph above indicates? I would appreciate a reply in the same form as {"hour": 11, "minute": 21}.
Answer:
{"hour": 3, "minute": 10}
